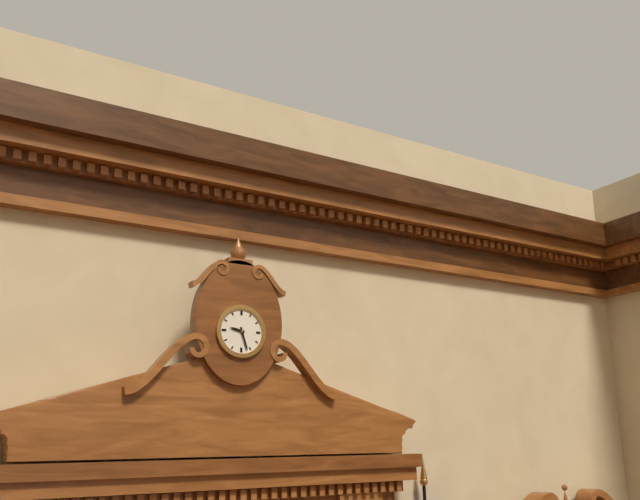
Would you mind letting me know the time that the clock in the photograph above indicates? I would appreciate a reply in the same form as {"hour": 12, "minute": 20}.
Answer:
{"hour": 9, "minute": 27}
